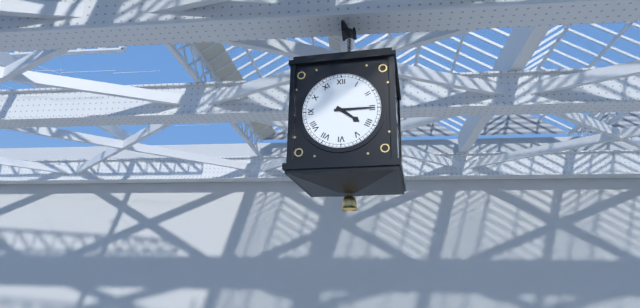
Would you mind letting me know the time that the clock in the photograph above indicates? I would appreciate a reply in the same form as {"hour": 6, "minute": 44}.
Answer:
{"hour": 4, "minute": 15}
